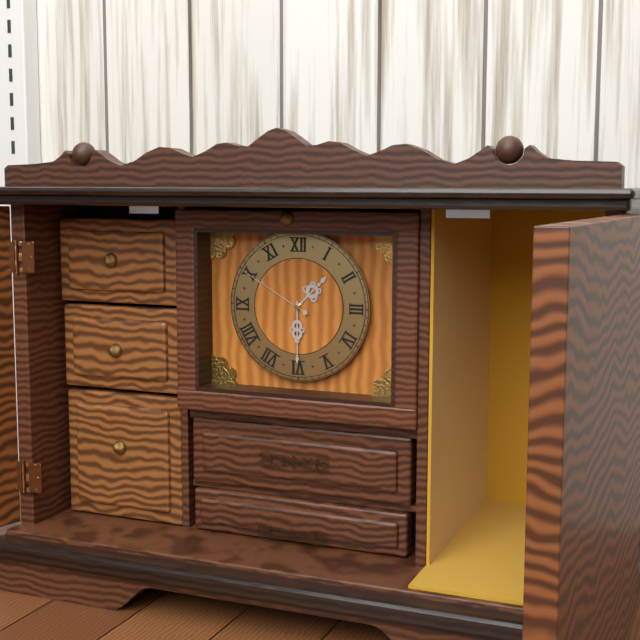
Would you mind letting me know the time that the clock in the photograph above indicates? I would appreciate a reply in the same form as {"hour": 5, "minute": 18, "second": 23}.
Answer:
{"hour": 1, "minute": 30, "second": 50}
